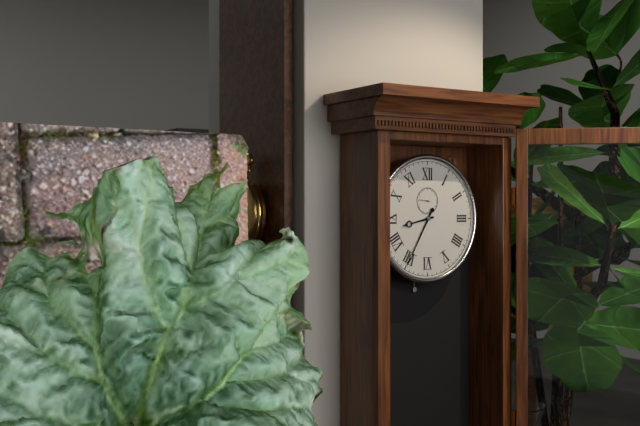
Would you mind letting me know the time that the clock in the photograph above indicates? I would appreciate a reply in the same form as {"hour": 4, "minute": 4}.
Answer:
{"hour": 8, "minute": 35}
